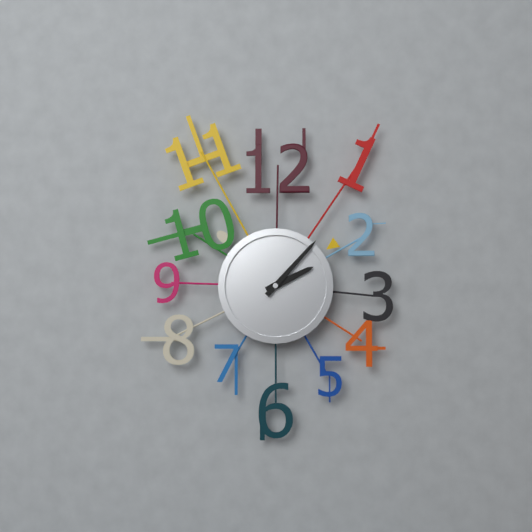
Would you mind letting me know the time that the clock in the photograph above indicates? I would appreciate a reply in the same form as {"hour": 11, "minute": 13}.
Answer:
{"hour": 2, "minute": 7}
